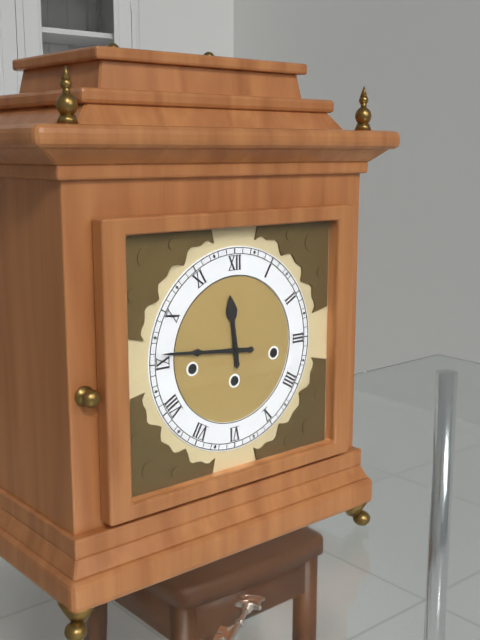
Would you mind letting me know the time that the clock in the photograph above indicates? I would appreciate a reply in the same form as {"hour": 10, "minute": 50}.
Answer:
{"hour": 11, "minute": 46}
